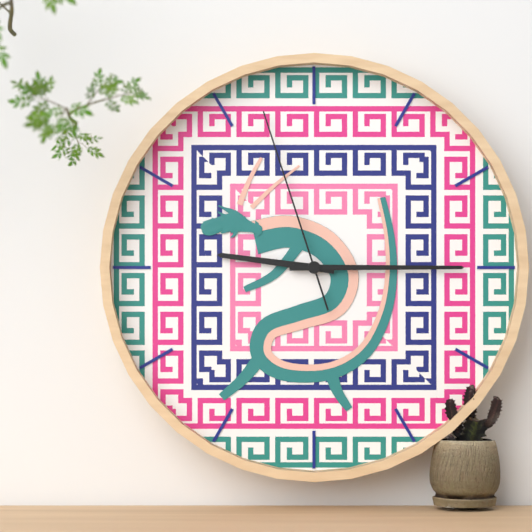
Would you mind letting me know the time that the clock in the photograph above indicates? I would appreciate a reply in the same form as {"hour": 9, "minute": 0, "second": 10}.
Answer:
{"hour": 9, "minute": 15, "second": 57}
